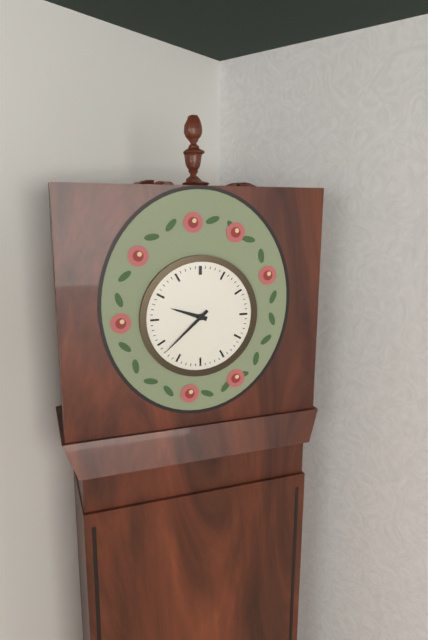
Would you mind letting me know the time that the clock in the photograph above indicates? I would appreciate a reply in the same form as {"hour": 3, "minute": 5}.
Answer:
{"hour": 9, "minute": 38}
